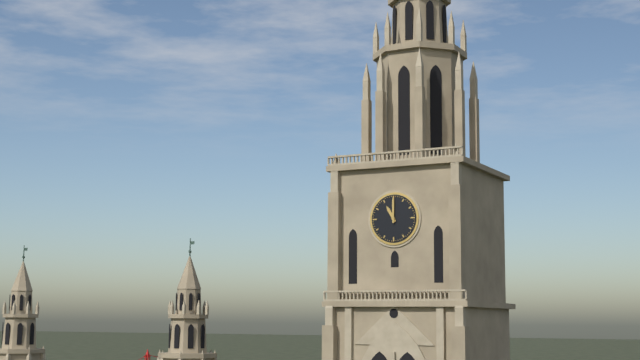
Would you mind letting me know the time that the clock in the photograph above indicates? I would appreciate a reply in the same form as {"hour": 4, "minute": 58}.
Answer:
{"hour": 11, "minute": 0}
